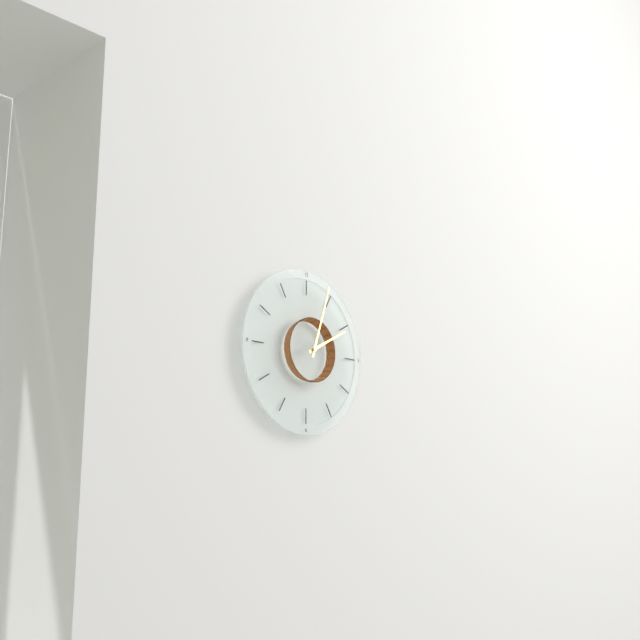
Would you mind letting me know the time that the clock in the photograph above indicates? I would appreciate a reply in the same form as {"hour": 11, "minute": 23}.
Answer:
{"hour": 2, "minute": 3}
